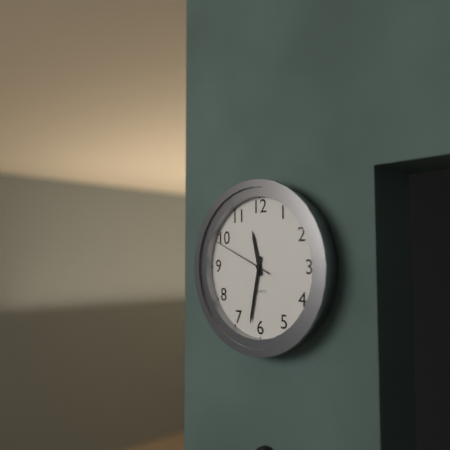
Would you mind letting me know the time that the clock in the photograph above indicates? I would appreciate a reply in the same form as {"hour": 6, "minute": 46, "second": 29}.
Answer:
{"hour": 11, "minute": 32, "second": 49}
